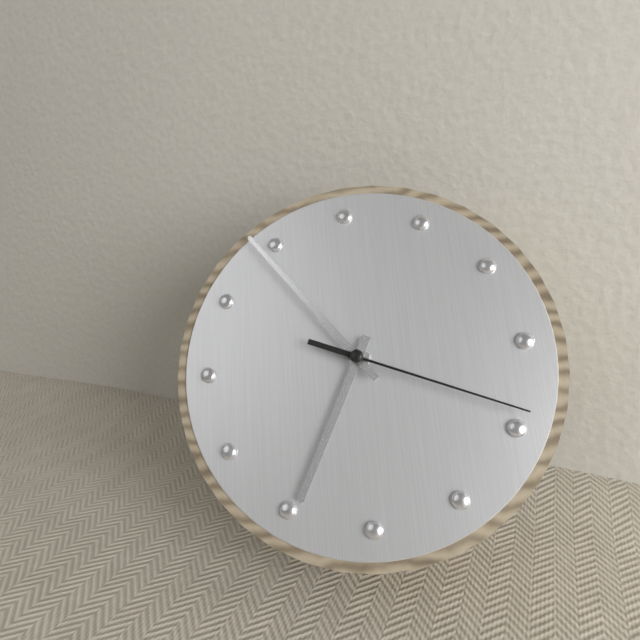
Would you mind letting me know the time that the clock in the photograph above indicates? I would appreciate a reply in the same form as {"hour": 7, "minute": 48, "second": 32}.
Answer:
{"hour": 6, "minute": 54, "second": 19}
